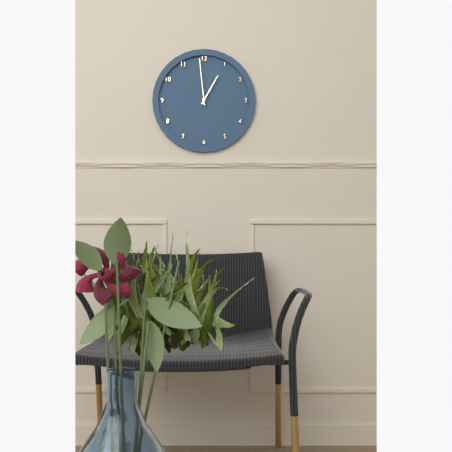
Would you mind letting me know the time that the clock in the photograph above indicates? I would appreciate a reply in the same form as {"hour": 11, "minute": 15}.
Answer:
{"hour": 12, "minute": 59}
